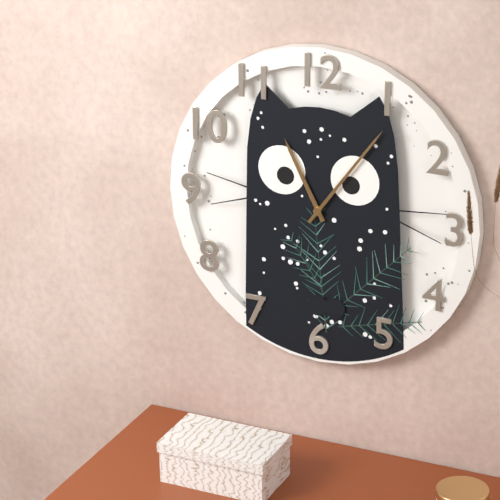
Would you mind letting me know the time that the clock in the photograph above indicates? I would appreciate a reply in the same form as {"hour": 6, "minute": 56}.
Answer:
{"hour": 11, "minute": 6}
